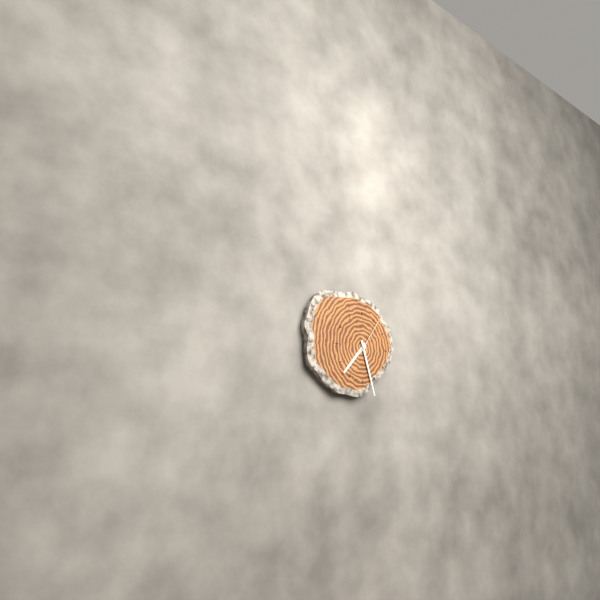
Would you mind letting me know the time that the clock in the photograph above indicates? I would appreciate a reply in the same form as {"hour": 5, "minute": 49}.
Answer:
{"hour": 7, "minute": 27}
